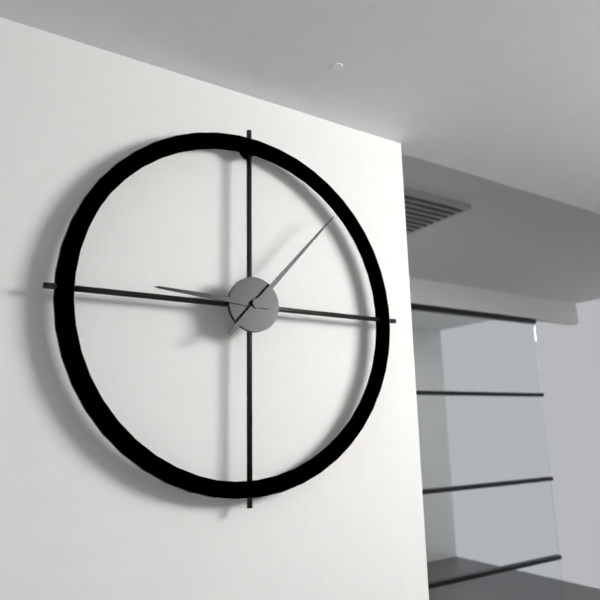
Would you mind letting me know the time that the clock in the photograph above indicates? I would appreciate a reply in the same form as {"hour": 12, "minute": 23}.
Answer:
{"hour": 9, "minute": 7}
